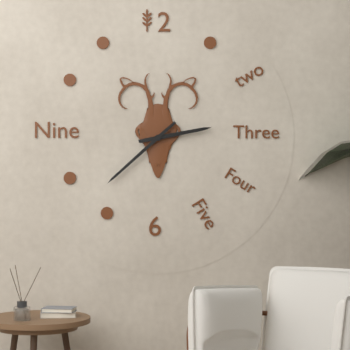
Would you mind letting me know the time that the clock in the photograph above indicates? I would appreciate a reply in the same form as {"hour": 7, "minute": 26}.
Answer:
{"hour": 2, "minute": 38}
